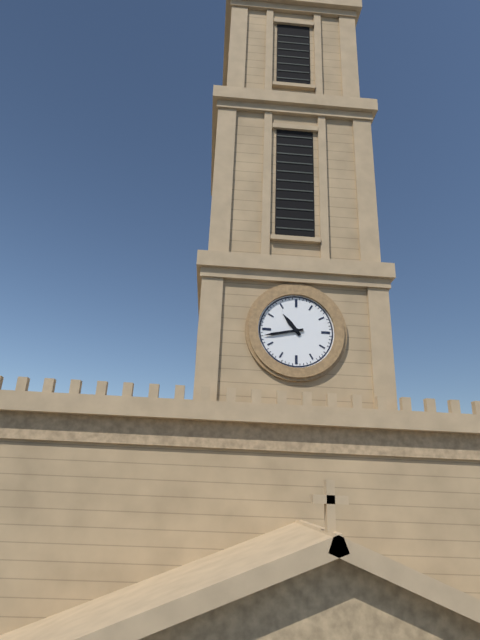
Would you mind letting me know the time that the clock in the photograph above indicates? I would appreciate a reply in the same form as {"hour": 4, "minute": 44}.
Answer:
{"hour": 10, "minute": 43}
